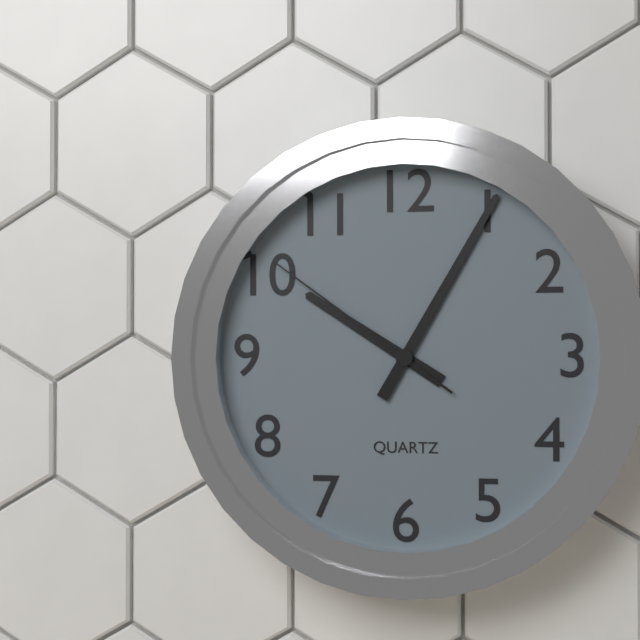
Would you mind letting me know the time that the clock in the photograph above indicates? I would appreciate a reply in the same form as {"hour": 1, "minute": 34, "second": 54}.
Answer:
{"hour": 10, "minute": 5, "second": 51}
